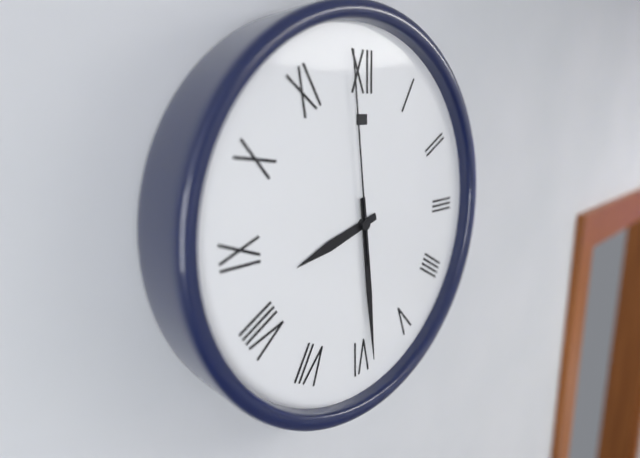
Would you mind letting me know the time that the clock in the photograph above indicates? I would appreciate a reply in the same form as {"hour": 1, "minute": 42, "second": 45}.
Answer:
{"hour": 8, "minute": 29, "second": 59}
